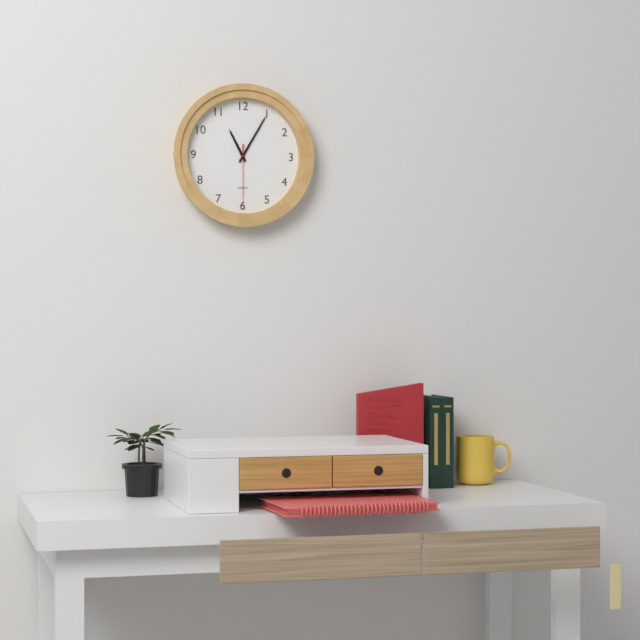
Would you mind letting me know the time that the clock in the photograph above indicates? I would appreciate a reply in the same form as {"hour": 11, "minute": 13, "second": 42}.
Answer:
{"hour": 11, "minute": 5, "second": 30}
